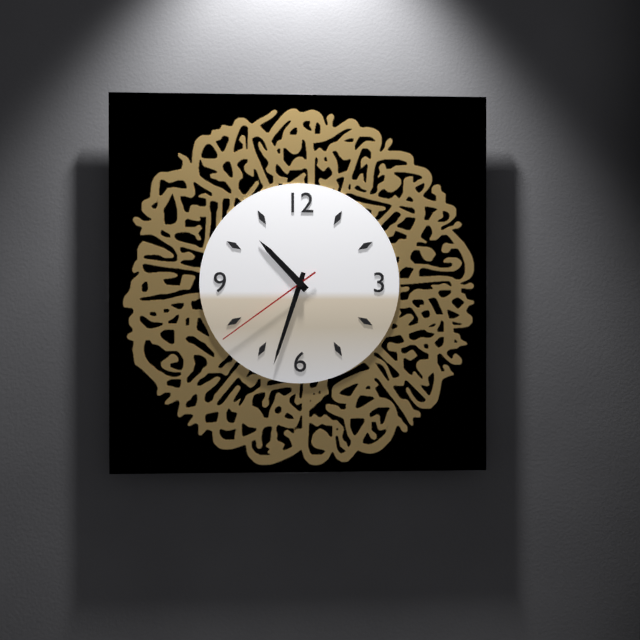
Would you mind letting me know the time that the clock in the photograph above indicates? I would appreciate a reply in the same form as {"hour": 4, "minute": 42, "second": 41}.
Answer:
{"hour": 10, "minute": 33, "second": 39}
